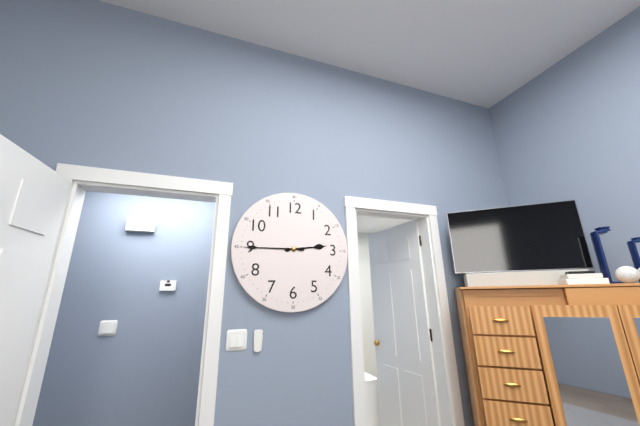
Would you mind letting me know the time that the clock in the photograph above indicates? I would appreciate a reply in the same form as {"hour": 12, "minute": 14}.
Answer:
{"hour": 2, "minute": 45}
